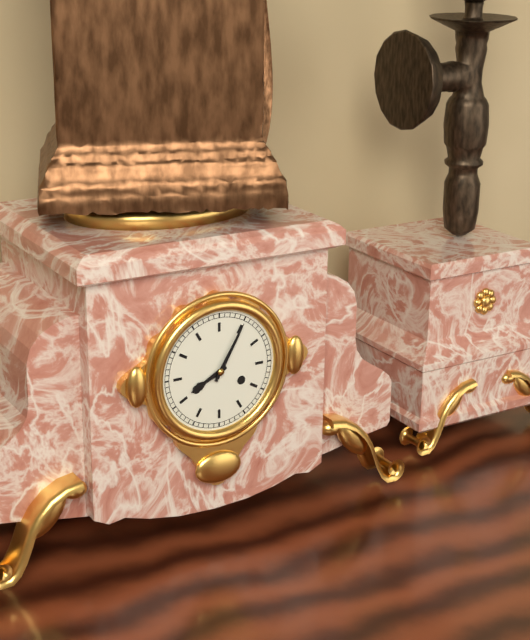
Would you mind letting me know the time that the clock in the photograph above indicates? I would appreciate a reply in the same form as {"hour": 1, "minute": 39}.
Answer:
{"hour": 8, "minute": 5}
